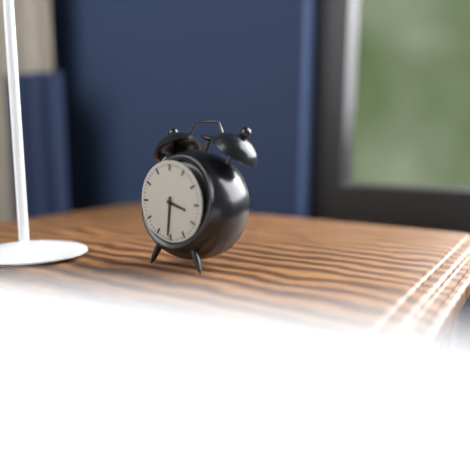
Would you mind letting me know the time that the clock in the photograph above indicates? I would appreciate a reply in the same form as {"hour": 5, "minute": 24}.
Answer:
{"hour": 3, "minute": 31}
